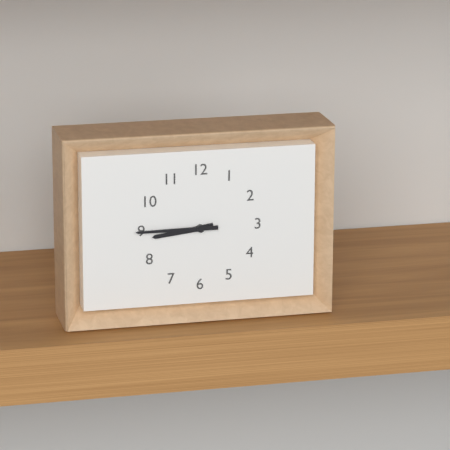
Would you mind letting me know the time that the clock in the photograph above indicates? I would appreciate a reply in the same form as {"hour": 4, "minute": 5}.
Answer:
{"hour": 8, "minute": 45}
